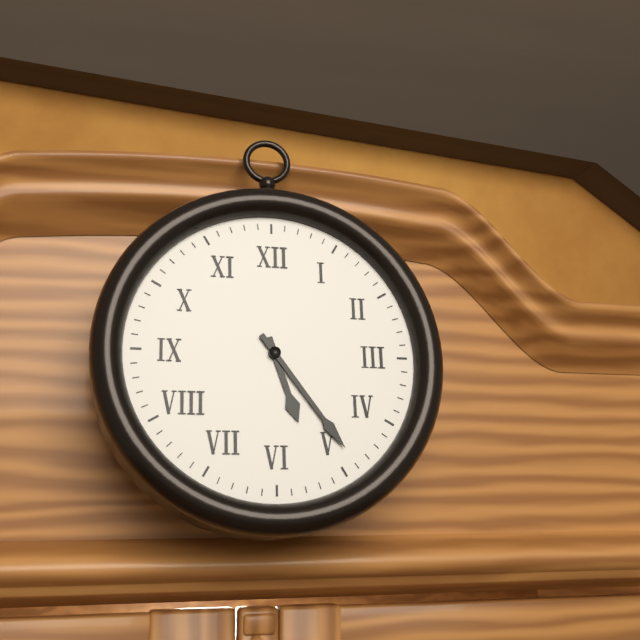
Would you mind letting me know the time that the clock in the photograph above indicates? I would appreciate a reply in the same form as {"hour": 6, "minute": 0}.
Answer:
{"hour": 5, "minute": 24}
